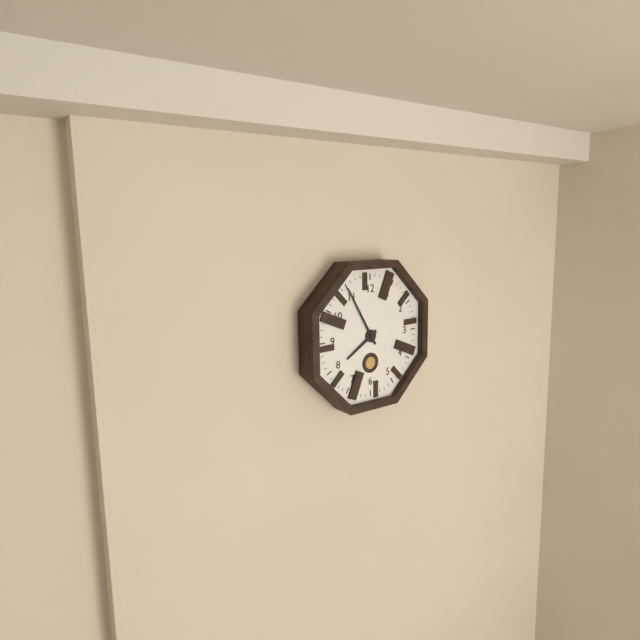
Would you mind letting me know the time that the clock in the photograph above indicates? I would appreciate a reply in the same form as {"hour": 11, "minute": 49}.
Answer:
{"hour": 7, "minute": 55}
